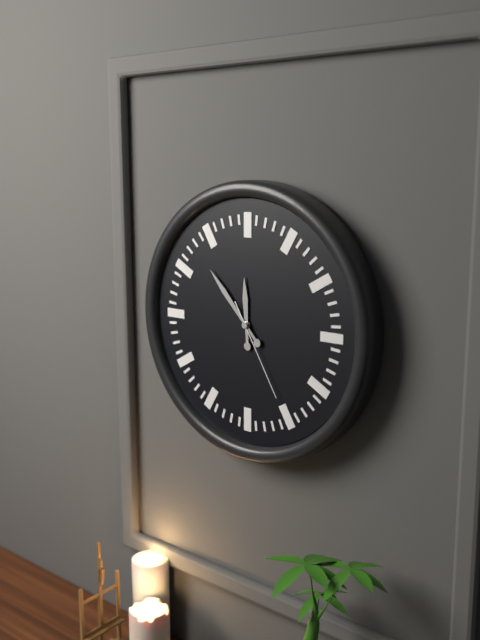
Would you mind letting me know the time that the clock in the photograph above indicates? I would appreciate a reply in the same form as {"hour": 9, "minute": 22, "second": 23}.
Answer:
{"hour": 11, "minute": 53, "second": 25}
